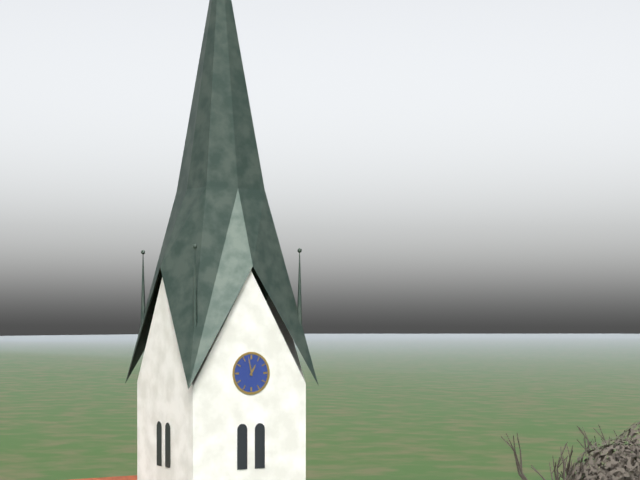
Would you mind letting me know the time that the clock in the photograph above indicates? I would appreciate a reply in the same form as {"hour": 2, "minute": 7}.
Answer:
{"hour": 12, "minute": 58}
